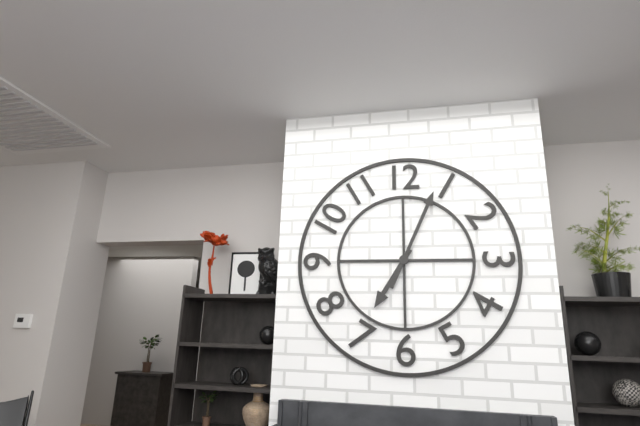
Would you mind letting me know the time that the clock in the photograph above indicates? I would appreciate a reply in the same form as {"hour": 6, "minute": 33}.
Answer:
{"hour": 7, "minute": 4}
